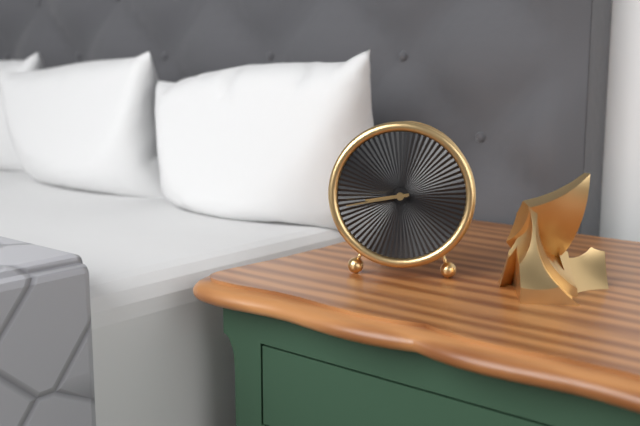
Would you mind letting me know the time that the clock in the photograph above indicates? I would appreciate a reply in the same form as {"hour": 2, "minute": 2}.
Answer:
{"hour": 8, "minute": 43}
